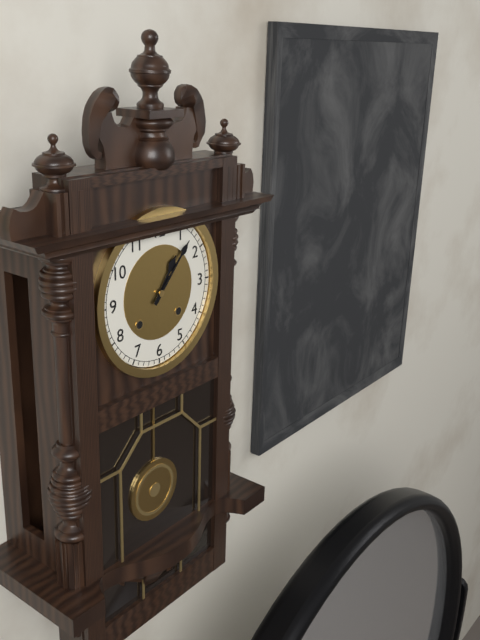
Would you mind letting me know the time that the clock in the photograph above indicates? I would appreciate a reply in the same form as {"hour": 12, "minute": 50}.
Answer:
{"hour": 1, "minute": 7}
